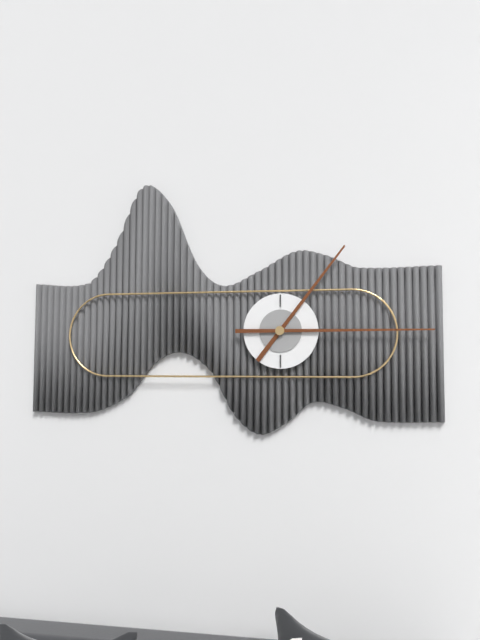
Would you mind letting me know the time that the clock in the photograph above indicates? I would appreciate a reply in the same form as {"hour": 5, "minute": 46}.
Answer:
{"hour": 1, "minute": 15}
